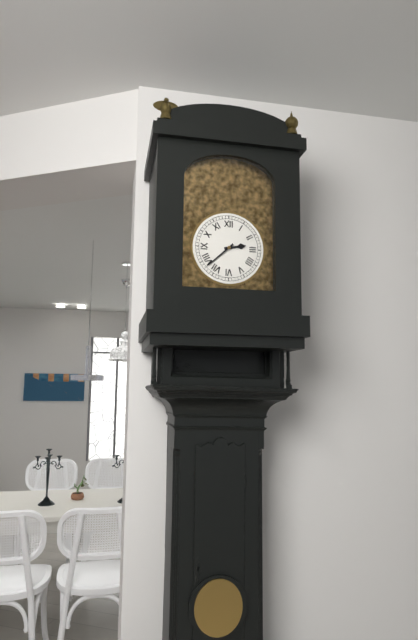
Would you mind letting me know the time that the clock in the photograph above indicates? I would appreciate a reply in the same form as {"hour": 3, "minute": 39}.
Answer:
{"hour": 2, "minute": 38}
